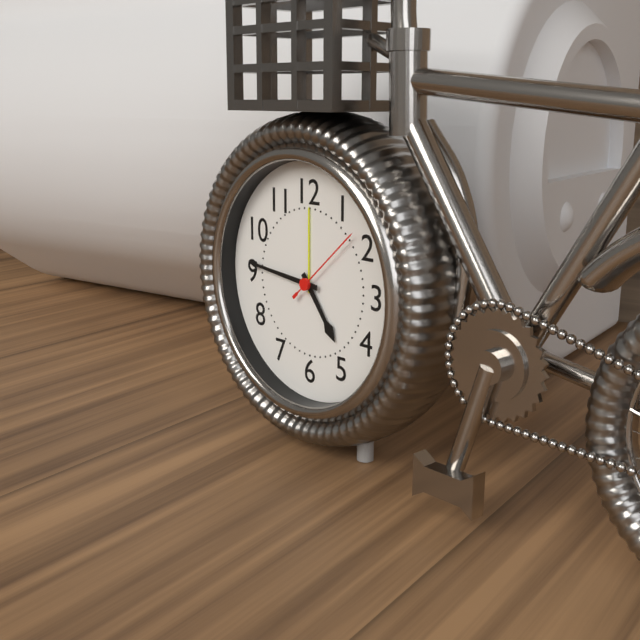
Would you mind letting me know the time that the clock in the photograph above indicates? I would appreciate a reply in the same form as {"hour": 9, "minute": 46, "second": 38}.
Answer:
{"hour": 4, "minute": 46, "second": 8}
